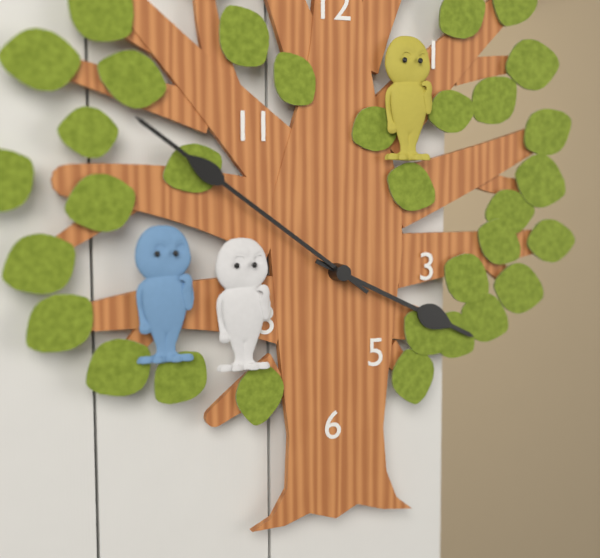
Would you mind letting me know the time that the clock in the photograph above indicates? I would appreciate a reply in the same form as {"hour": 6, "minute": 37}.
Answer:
{"hour": 3, "minute": 51}
